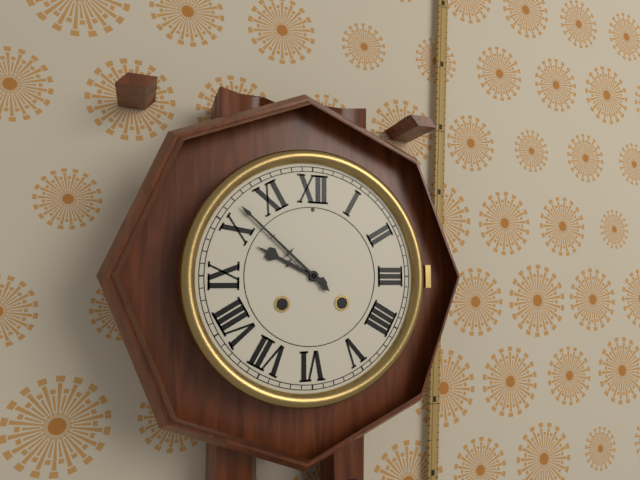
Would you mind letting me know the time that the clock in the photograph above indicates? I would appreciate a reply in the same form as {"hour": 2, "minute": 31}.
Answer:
{"hour": 9, "minute": 52}
